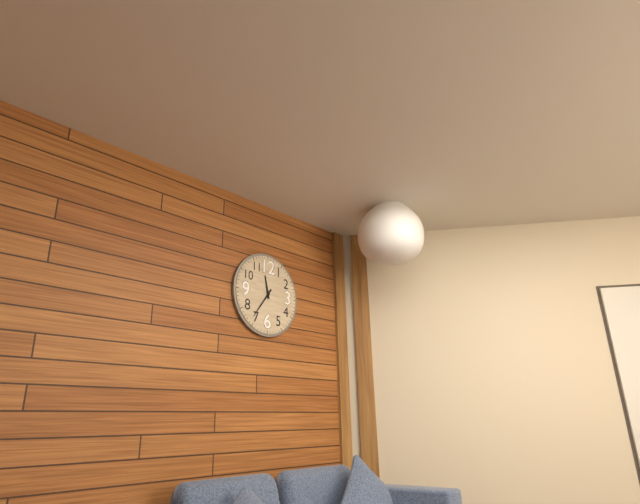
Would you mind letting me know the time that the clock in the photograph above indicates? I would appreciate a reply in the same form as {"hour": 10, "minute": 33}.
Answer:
{"hour": 11, "minute": 36}
